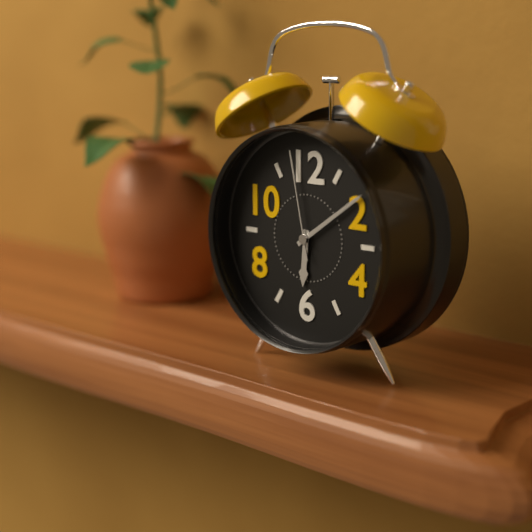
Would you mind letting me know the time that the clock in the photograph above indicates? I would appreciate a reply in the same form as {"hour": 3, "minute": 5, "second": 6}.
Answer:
{"hour": 6, "minute": 9, "second": 58}
